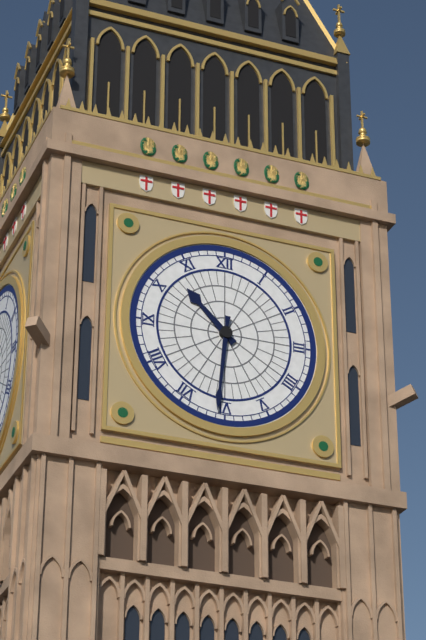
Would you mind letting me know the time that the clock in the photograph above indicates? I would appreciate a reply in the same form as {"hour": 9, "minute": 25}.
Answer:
{"hour": 10, "minute": 31}
